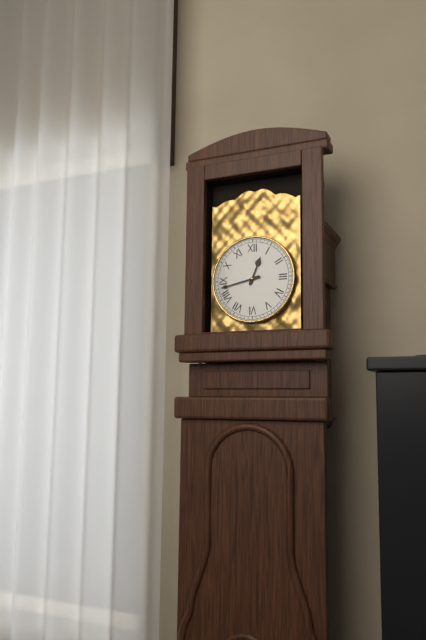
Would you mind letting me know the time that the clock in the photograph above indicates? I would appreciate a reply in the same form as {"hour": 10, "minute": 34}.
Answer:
{"hour": 12, "minute": 43}
